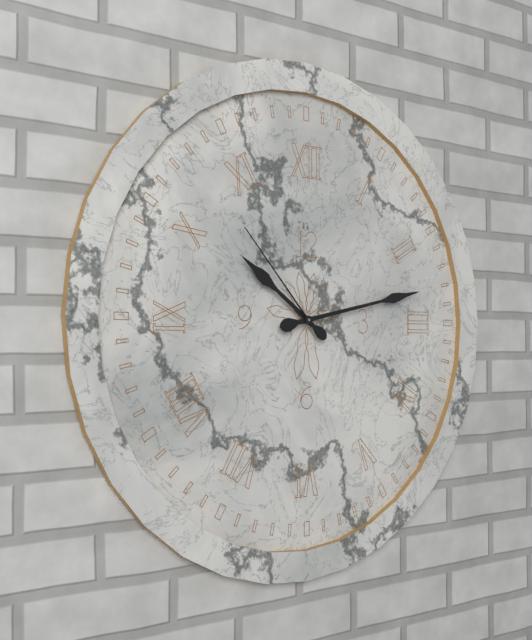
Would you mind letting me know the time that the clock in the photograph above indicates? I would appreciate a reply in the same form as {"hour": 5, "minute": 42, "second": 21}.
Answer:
{"hour": 10, "minute": 13, "second": 53}
